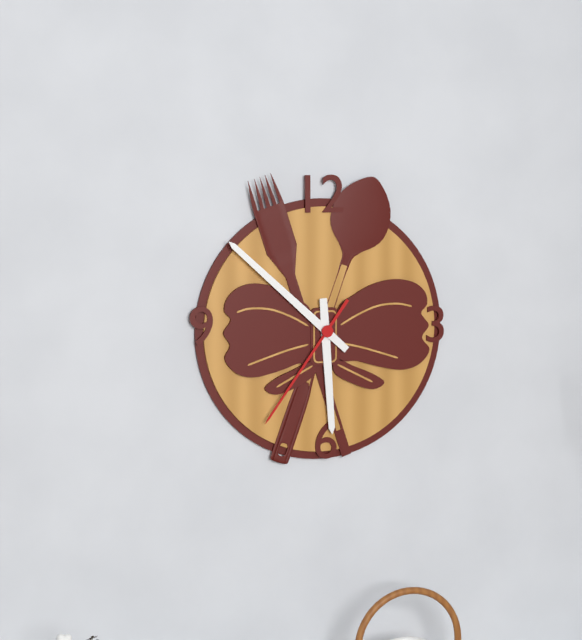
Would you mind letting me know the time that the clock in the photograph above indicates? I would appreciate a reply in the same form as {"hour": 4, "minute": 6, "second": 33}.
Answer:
{"hour": 5, "minute": 52, "second": 36}
